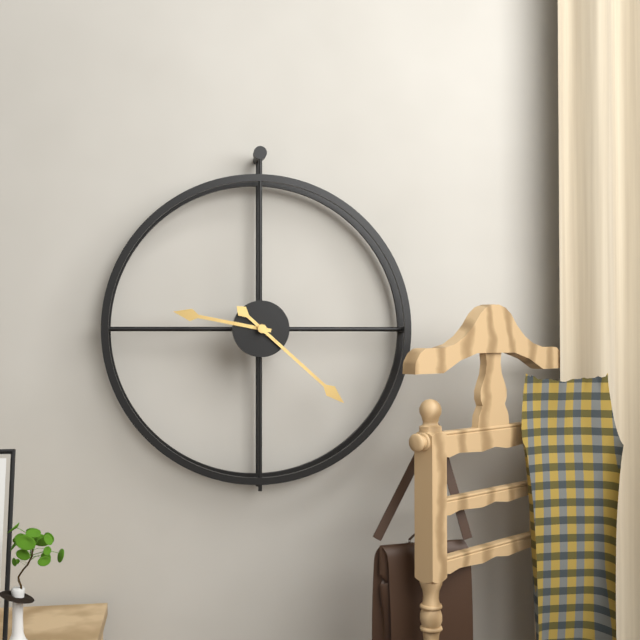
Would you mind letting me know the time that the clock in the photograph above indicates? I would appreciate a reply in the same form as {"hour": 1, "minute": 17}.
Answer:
{"hour": 9, "minute": 22}
